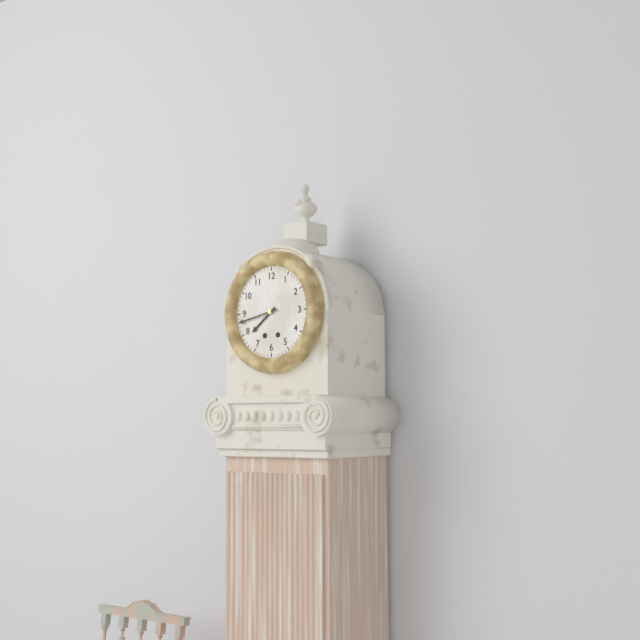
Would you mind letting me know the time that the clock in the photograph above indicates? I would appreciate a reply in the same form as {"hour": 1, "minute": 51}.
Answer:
{"hour": 7, "minute": 43}
